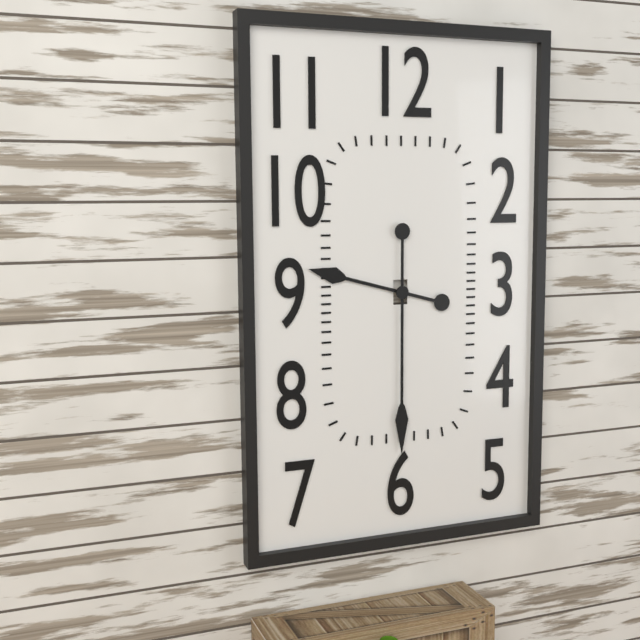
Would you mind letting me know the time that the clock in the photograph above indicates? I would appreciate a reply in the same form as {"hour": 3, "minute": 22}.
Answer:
{"hour": 9, "minute": 30}
